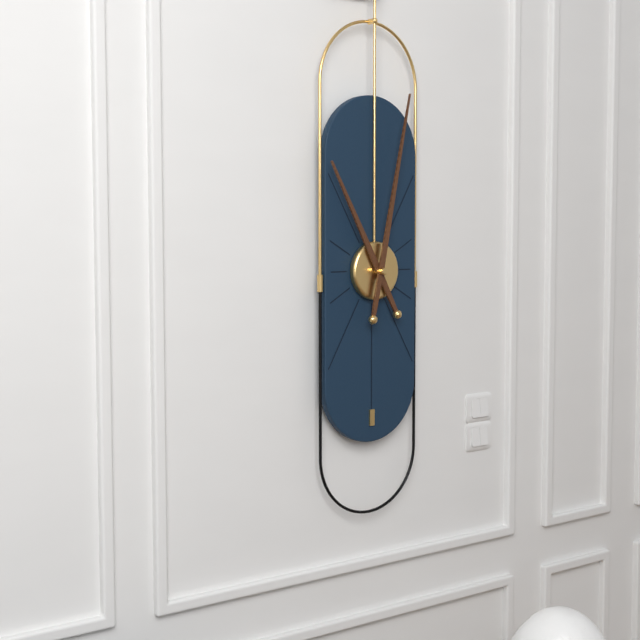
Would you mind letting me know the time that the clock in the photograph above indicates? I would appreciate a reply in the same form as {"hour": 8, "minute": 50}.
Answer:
{"hour": 11, "minute": 2}
